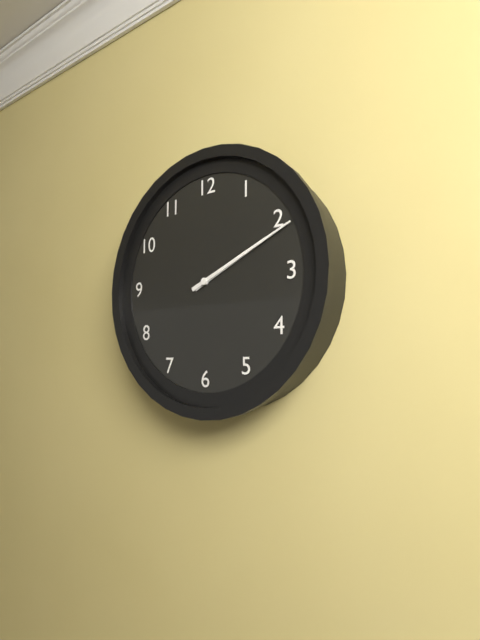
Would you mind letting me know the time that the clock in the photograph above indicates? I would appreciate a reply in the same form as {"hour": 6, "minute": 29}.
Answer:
{"hour": 2, "minute": 11}
